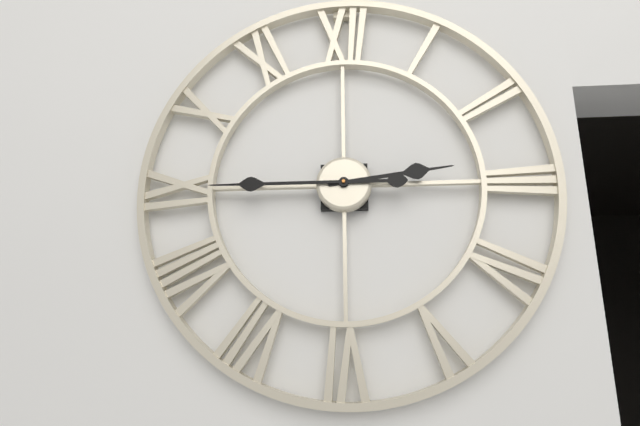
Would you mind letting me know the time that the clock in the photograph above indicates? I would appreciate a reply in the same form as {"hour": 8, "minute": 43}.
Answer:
{"hour": 2, "minute": 45}
